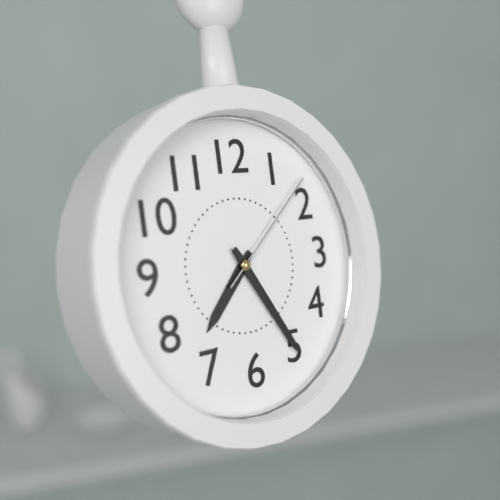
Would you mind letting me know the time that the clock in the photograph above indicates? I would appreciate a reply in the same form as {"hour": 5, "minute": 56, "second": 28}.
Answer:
{"hour": 7, "minute": 25, "second": 8}
